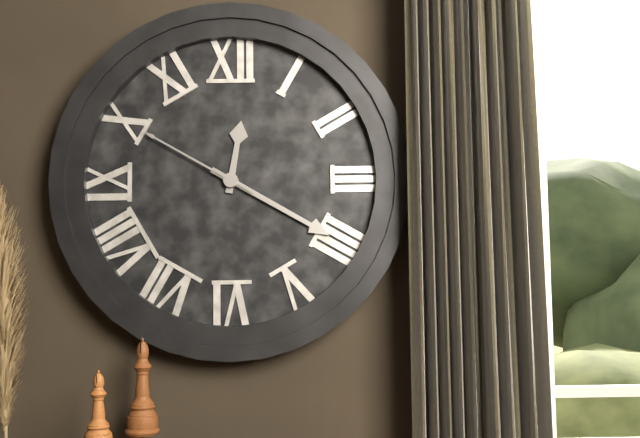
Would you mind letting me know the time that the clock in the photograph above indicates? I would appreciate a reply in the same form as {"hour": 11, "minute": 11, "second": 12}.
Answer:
{"hour": 12, "minute": 20, "second": 50}
